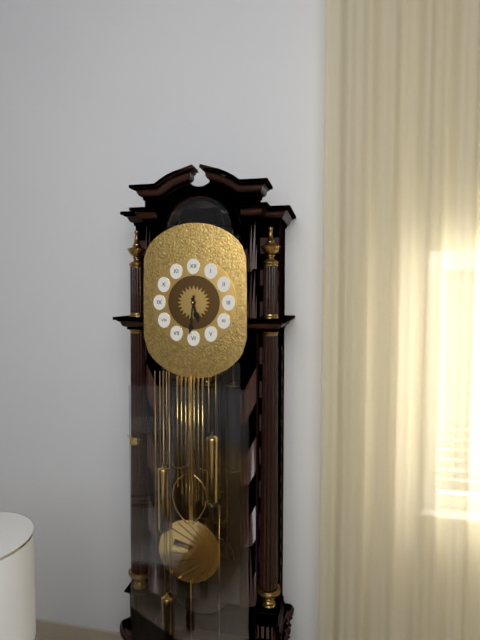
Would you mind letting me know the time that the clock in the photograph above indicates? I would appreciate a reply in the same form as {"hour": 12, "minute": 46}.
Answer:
{"hour": 5, "minute": 31}
